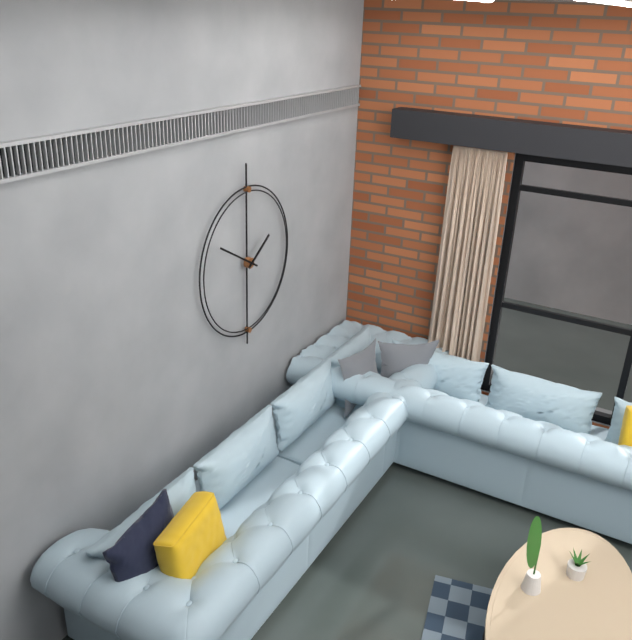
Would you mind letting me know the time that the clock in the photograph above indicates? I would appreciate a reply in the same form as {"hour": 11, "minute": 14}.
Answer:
{"hour": 1, "minute": 50}
